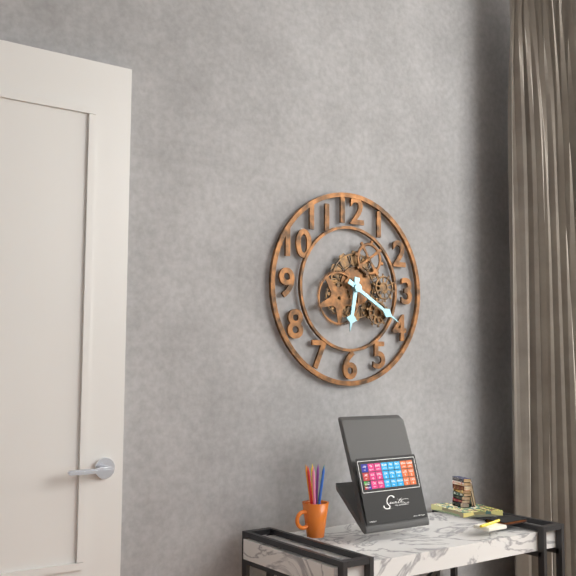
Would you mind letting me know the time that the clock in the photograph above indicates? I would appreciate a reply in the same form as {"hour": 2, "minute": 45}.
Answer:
{"hour": 6, "minute": 20}
